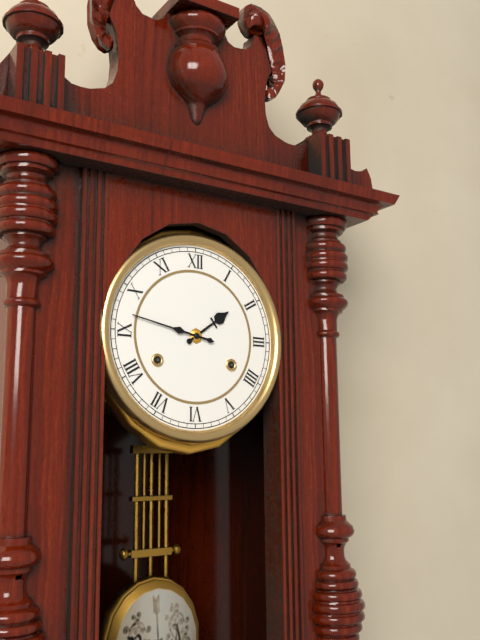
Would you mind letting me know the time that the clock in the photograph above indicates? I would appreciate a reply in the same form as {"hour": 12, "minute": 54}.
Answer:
{"hour": 1, "minute": 47}
